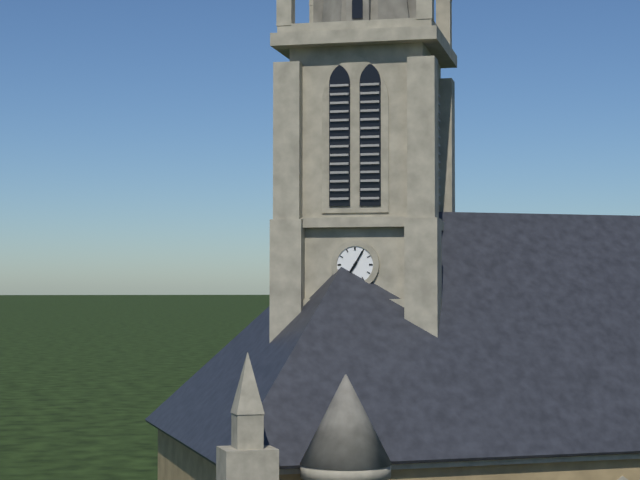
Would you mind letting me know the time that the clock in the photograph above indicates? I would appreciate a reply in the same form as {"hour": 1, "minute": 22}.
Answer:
{"hour": 7, "minute": 5}
